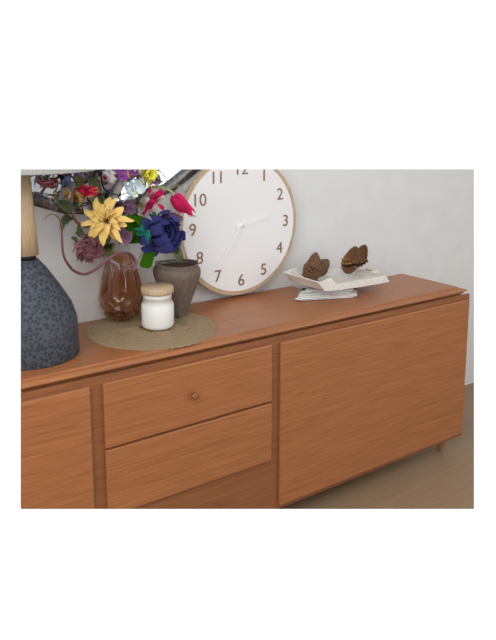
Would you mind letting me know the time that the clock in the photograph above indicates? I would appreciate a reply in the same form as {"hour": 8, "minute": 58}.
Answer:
{"hour": 2, "minute": 36}
